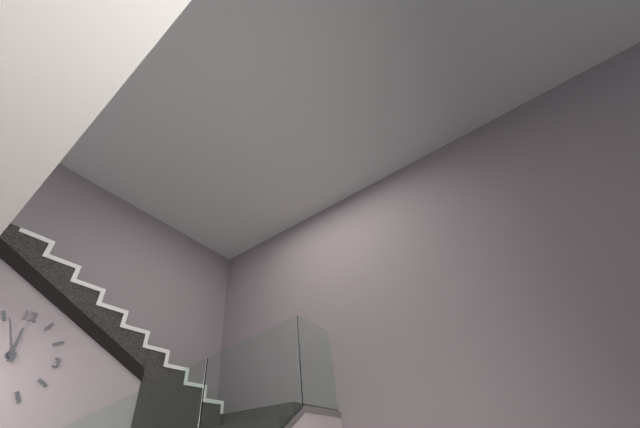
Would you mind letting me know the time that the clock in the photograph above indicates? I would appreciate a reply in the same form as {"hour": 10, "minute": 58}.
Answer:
{"hour": 11, "minute": 56}
